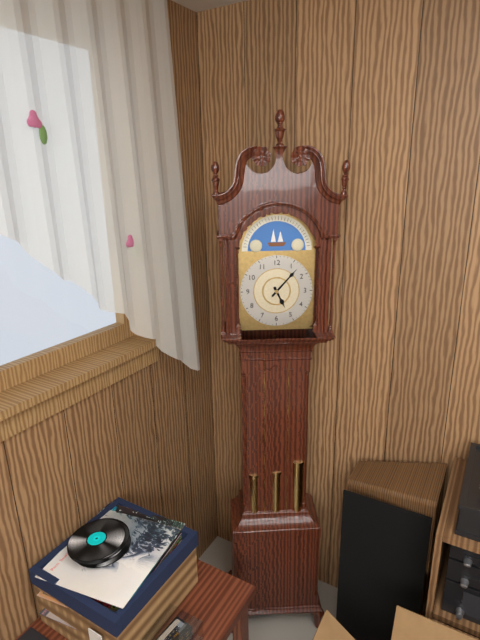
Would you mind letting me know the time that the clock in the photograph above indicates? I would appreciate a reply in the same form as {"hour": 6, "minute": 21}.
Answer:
{"hour": 5, "minute": 7}
